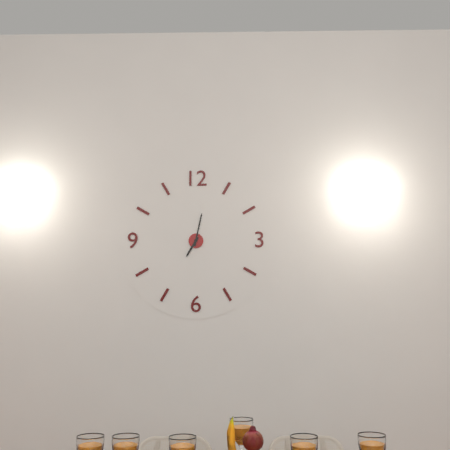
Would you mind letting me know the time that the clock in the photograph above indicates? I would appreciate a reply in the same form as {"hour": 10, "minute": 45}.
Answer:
{"hour": 7, "minute": 2}
